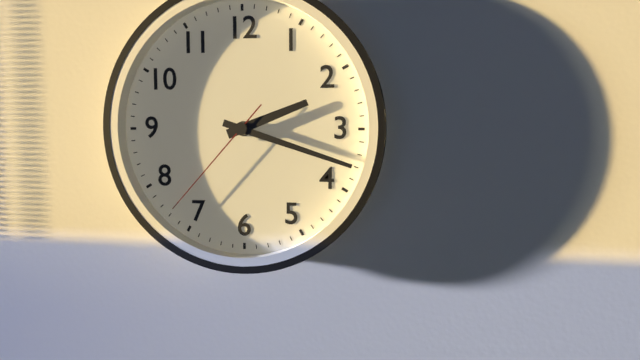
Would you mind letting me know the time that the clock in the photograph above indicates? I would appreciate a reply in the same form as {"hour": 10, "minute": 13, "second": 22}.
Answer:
{"hour": 2, "minute": 18, "second": 37}
